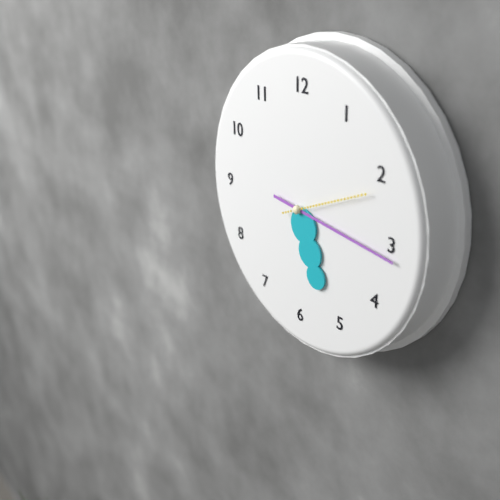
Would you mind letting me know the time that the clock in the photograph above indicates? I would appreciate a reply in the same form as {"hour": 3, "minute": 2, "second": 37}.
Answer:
{"hour": 5, "minute": 16, "second": 11}
